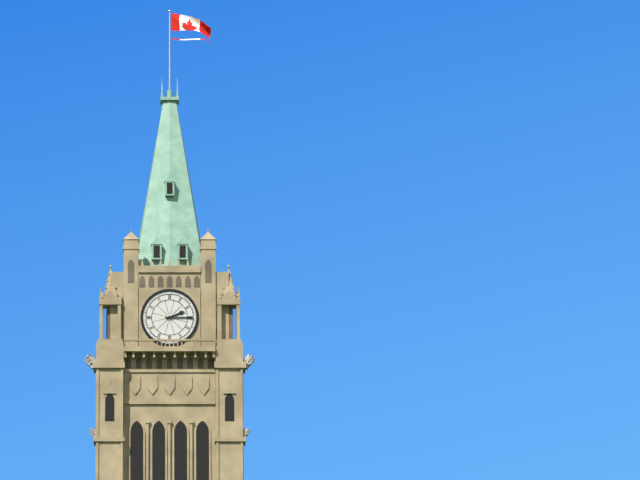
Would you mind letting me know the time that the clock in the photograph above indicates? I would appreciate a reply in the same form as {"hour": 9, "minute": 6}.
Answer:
{"hour": 2, "minute": 15}
